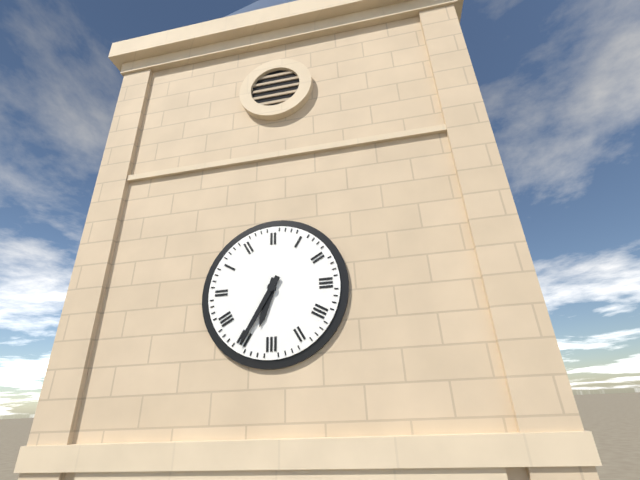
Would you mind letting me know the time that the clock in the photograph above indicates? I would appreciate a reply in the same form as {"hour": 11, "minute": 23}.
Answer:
{"hour": 6, "minute": 35}
